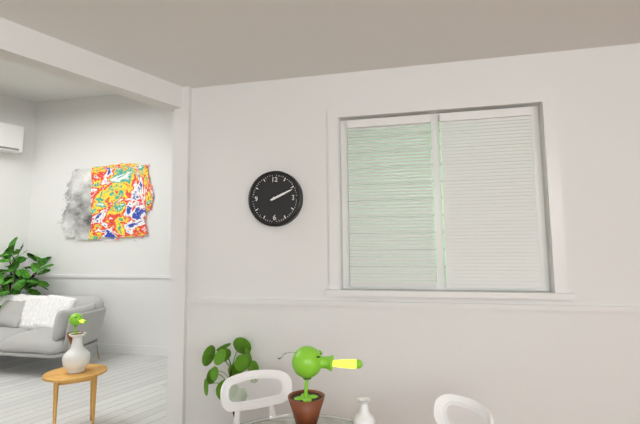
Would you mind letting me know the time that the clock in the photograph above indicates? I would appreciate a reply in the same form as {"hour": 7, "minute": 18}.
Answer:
{"hour": 2, "minute": 11}
